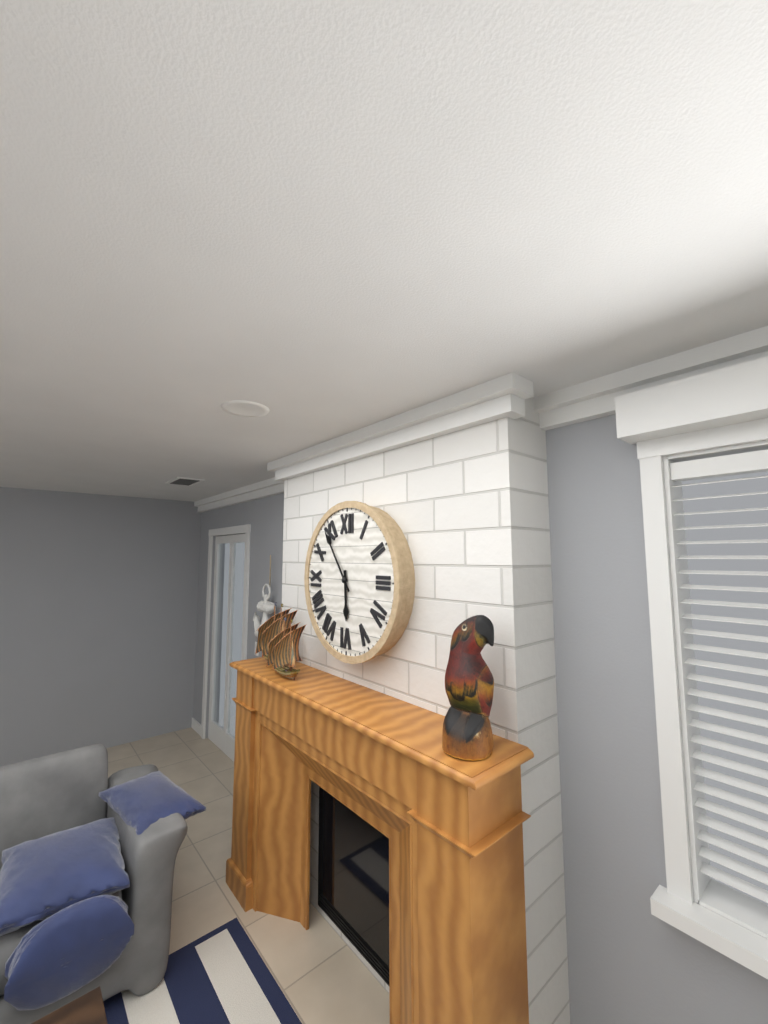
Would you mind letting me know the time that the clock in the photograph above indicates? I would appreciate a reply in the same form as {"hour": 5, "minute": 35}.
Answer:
{"hour": 5, "minute": 54}
